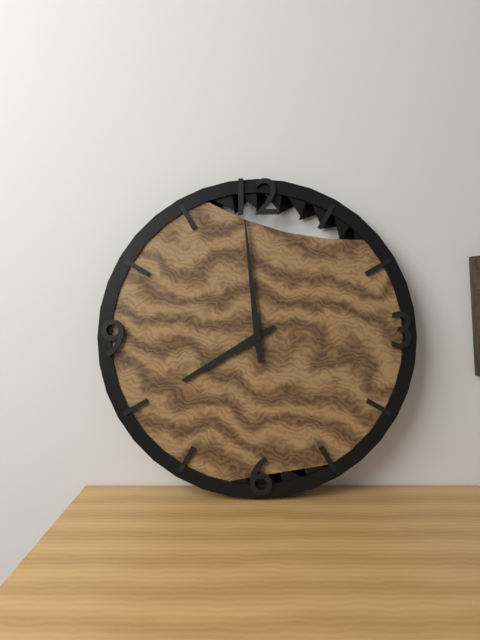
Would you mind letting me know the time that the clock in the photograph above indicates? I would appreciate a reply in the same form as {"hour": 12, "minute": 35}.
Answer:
{"hour": 7, "minute": 59}
